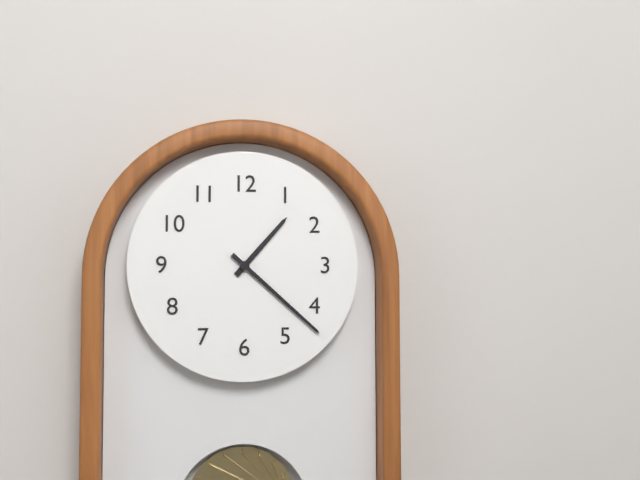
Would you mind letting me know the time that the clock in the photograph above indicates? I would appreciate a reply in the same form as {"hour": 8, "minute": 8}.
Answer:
{"hour": 1, "minute": 22}
